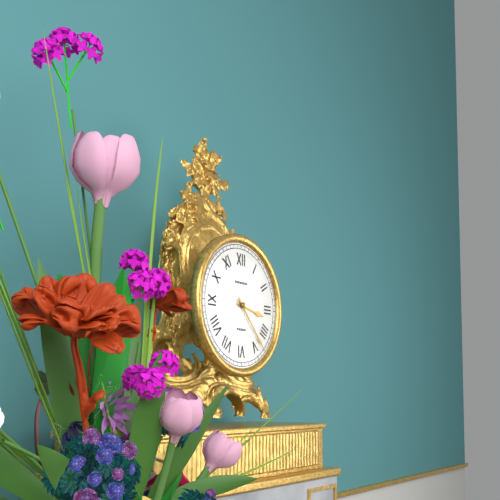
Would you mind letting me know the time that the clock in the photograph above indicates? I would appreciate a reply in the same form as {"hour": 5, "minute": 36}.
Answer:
{"hour": 3, "minute": 23}
